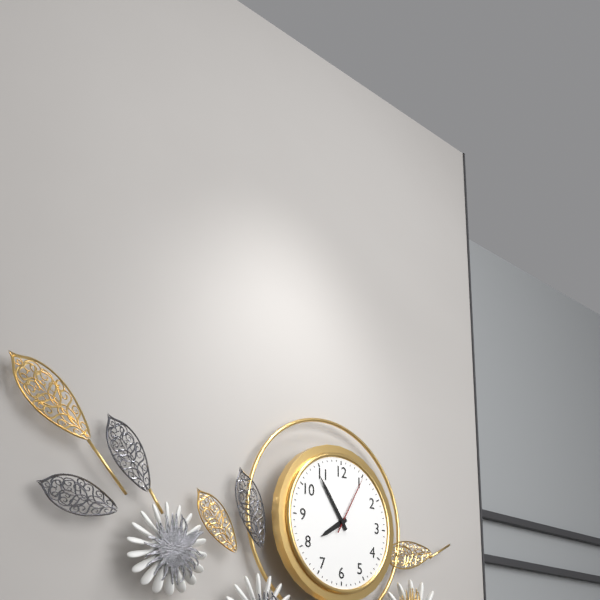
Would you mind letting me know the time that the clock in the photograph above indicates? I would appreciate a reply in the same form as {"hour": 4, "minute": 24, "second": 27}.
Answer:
{"hour": 7, "minute": 54, "second": 5}
